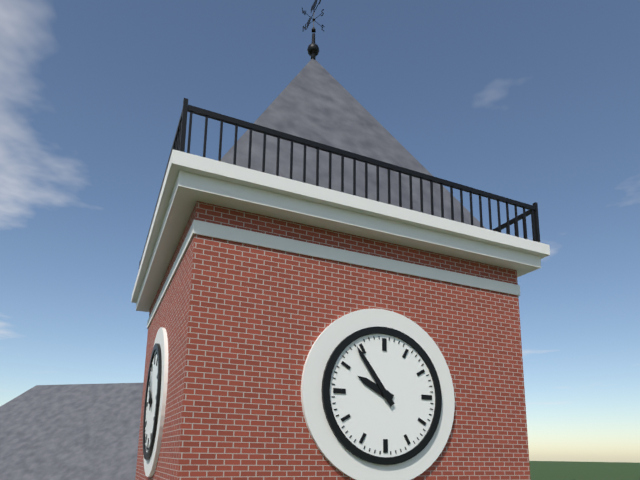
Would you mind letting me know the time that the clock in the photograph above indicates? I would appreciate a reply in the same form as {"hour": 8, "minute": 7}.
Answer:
{"hour": 9, "minute": 54}
